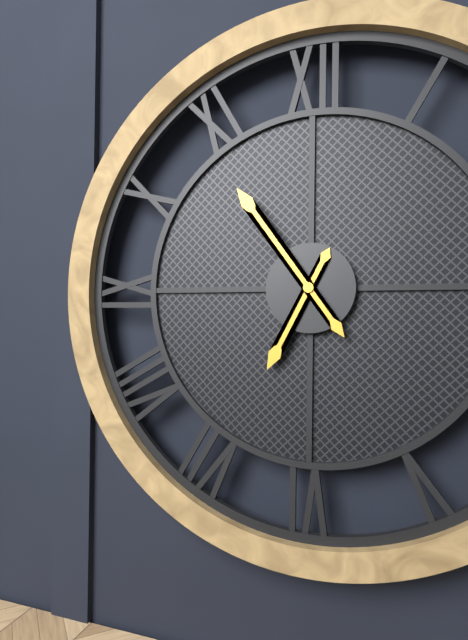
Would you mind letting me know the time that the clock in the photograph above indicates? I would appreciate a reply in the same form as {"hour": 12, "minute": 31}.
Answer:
{"hour": 6, "minute": 54}
